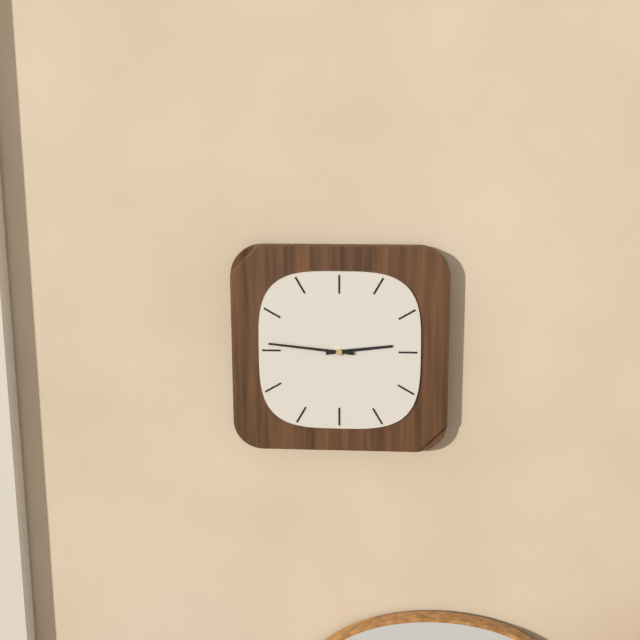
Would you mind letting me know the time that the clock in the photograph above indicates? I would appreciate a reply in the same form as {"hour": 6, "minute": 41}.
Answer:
{"hour": 2, "minute": 46}
